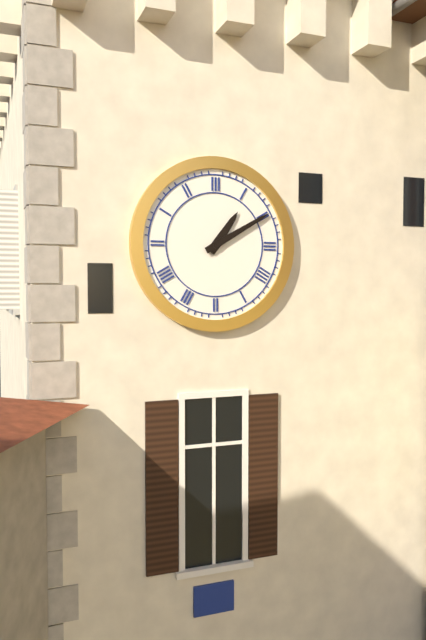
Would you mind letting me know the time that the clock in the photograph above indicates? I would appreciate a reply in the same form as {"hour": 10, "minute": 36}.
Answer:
{"hour": 1, "minute": 10}
